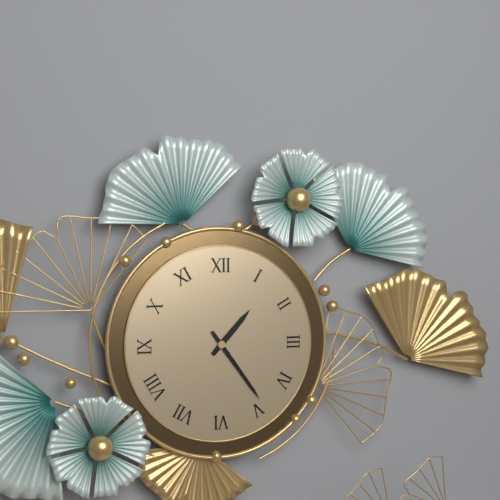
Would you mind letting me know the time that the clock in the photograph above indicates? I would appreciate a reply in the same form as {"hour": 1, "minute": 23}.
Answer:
{"hour": 1, "minute": 24}
